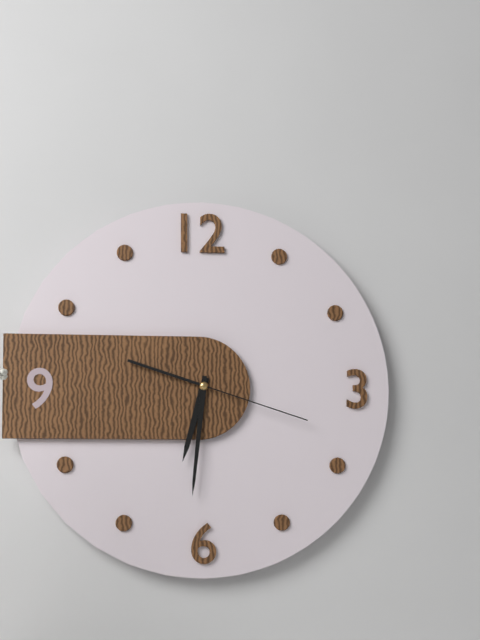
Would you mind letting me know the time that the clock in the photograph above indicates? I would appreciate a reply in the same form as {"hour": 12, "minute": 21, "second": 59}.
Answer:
{"hour": 6, "minute": 31, "second": 18}
